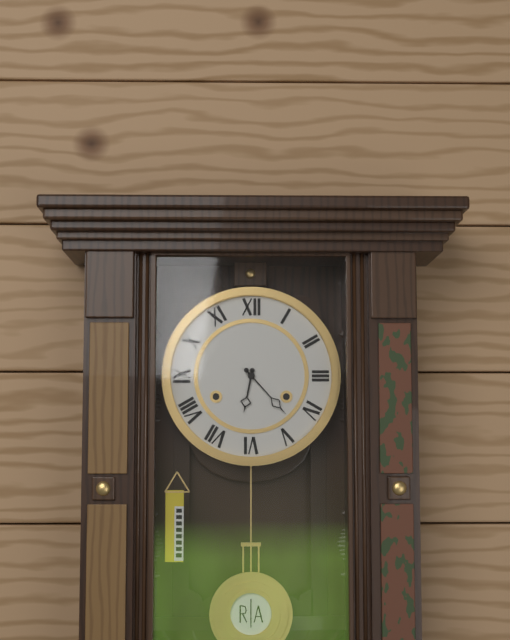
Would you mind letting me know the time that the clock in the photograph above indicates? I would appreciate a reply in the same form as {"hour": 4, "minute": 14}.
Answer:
{"hour": 6, "minute": 23}
